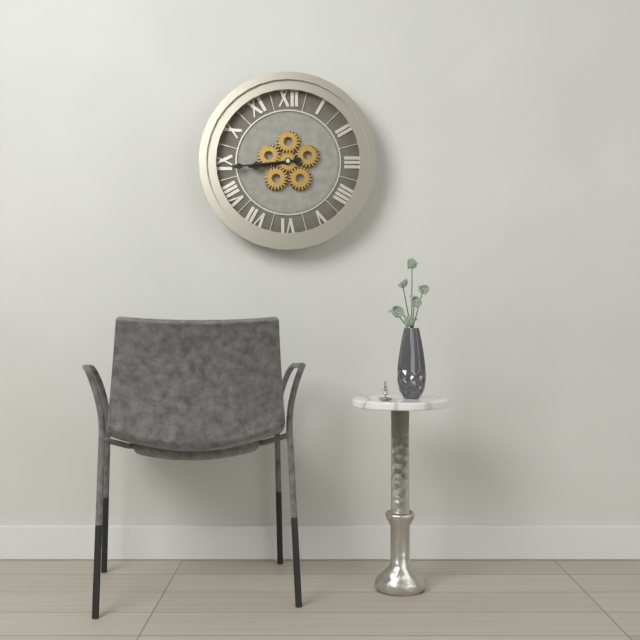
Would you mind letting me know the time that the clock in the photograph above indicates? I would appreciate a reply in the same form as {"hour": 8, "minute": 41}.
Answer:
{"hour": 8, "minute": 44}
